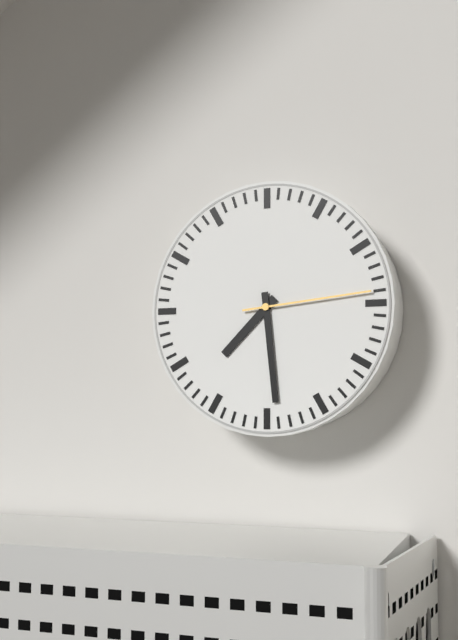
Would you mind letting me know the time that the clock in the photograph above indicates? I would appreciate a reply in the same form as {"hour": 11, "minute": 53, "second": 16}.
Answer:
{"hour": 7, "minute": 29, "second": 14}
